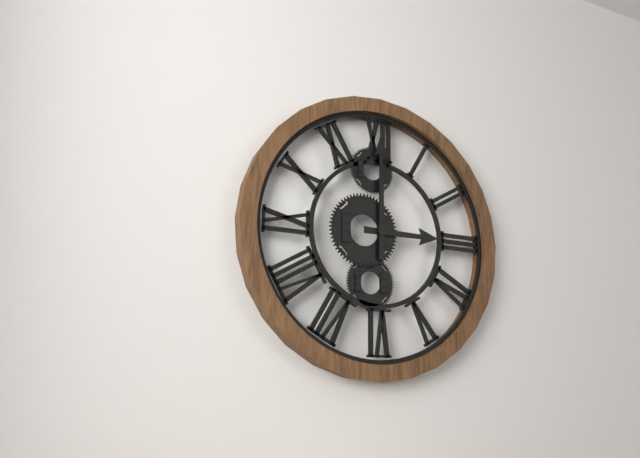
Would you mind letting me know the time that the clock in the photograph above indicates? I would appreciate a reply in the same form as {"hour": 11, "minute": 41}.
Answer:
{"hour": 3, "minute": 0}
